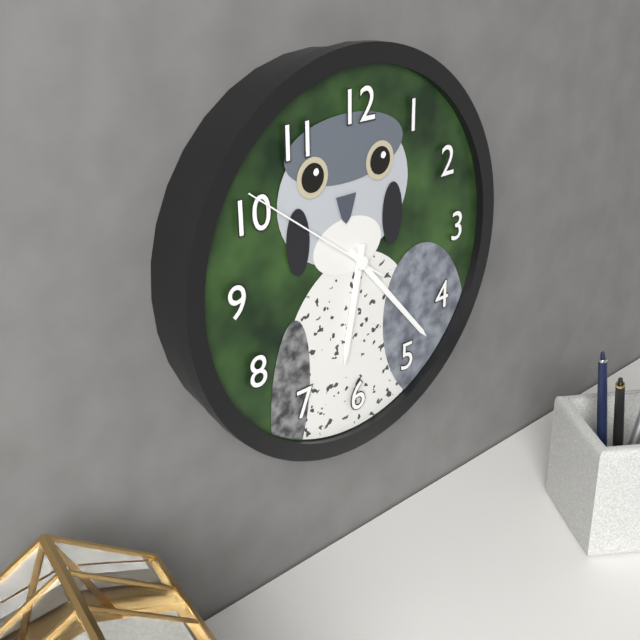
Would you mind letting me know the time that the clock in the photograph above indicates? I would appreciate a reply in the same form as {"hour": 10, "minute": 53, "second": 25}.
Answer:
{"hour": 6, "minute": 23, "second": 51}
